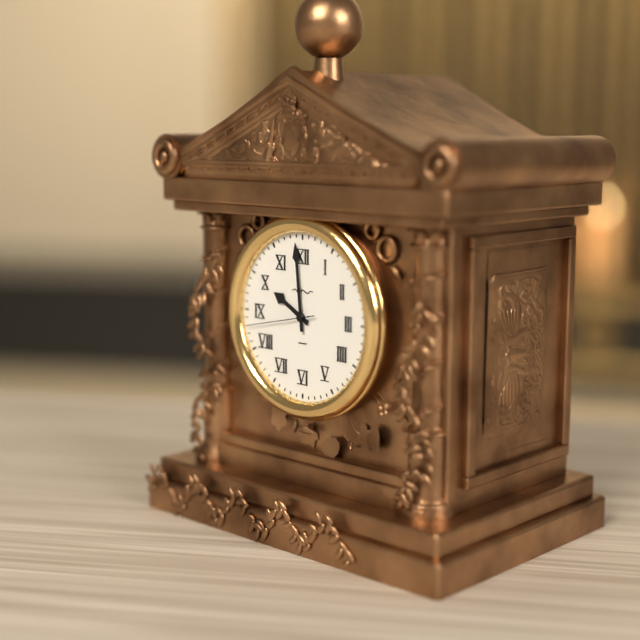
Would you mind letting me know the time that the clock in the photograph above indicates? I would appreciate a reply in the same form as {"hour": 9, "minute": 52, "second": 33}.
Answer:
{"hour": 9, "minute": 59, "second": 43}
